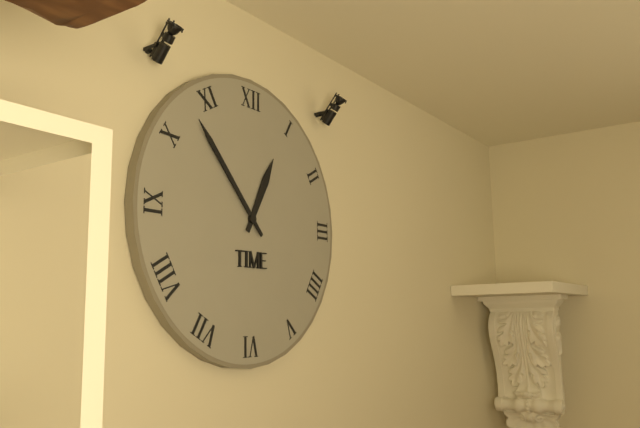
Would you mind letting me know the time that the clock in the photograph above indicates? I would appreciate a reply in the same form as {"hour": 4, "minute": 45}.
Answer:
{"hour": 12, "minute": 53}
